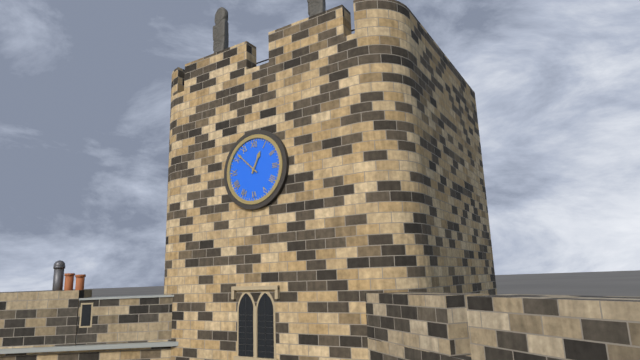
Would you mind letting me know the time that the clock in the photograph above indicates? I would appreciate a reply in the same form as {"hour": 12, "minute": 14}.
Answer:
{"hour": 12, "minute": 52}
